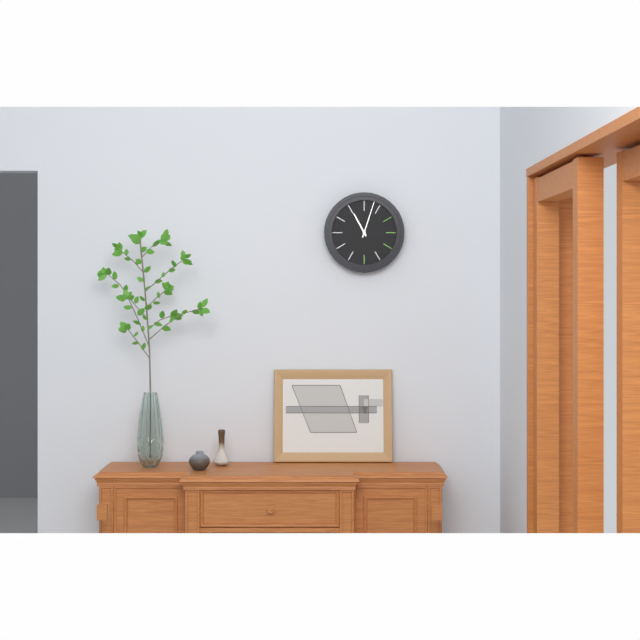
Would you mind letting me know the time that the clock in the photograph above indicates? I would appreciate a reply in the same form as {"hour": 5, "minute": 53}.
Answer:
{"hour": 11, "minute": 3}
